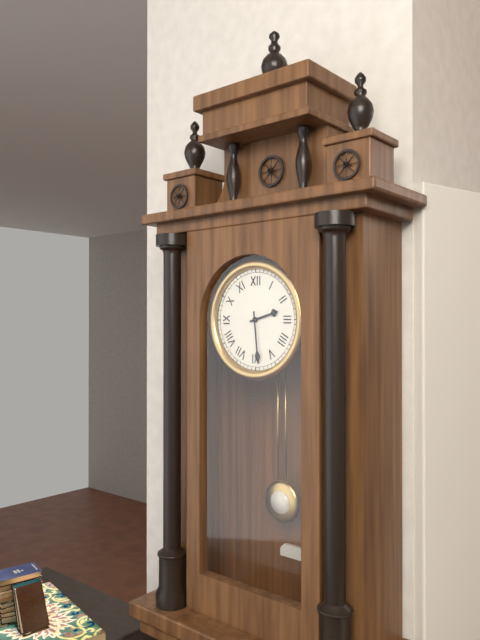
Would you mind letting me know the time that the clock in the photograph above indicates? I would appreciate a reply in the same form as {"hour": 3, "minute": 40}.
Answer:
{"hour": 2, "minute": 29}
